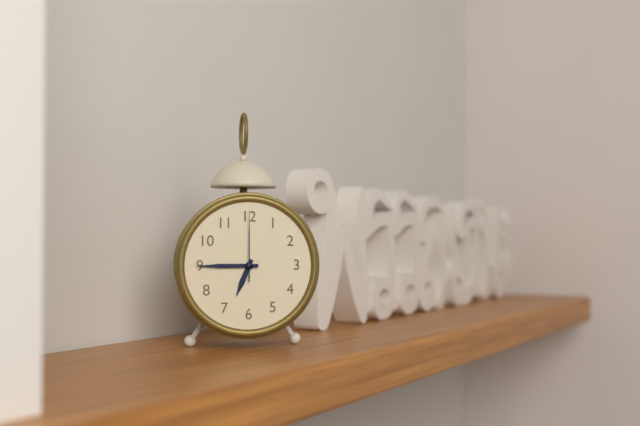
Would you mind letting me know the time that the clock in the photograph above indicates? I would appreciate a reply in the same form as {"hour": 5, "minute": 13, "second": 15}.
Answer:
{"hour": 6, "minute": 45, "second": 0}
